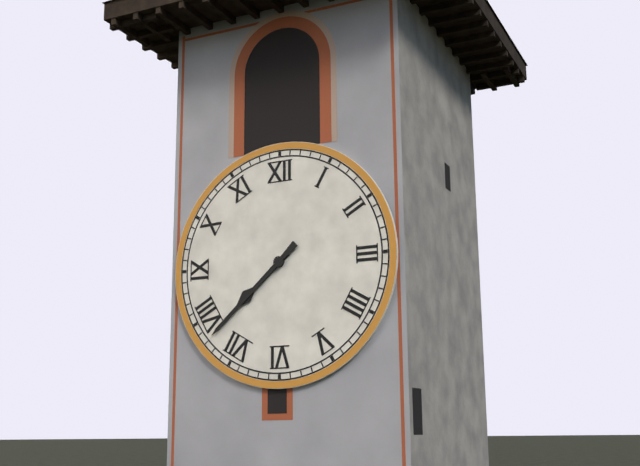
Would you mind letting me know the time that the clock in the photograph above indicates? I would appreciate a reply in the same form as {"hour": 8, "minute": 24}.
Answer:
{"hour": 7, "minute": 38}
